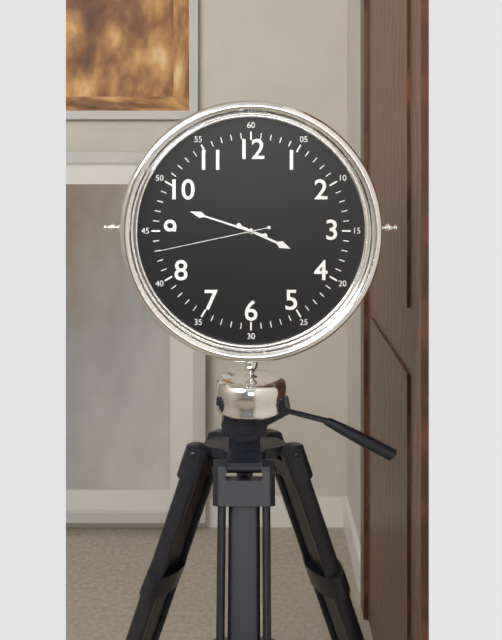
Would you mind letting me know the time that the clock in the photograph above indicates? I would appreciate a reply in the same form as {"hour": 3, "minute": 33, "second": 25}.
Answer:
{"hour": 3, "minute": 48, "second": 43}
